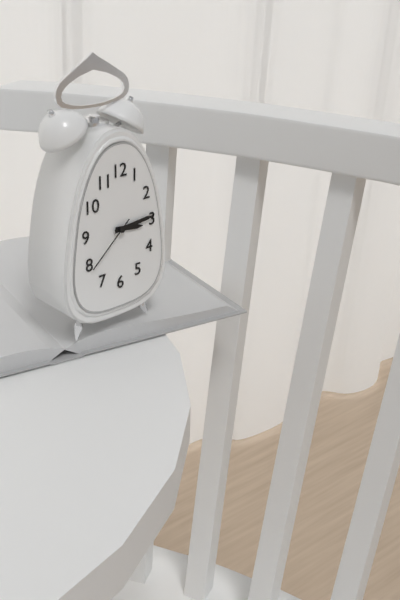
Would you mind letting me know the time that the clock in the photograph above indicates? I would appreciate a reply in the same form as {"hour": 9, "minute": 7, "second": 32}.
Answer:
{"hour": 3, "minute": 14, "second": 38}
